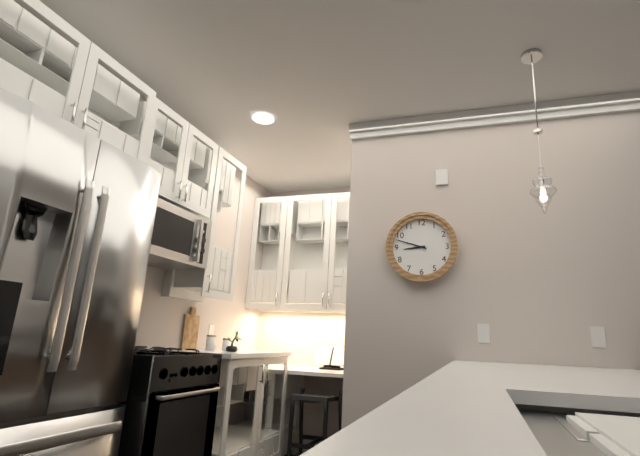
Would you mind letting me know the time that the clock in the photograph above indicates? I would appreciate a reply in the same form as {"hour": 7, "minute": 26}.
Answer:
{"hour": 8, "minute": 48}
